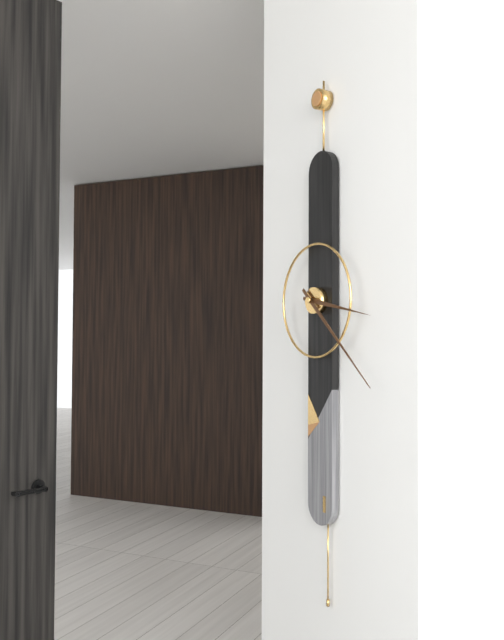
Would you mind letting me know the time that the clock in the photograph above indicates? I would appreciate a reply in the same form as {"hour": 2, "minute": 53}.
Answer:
{"hour": 3, "minute": 22}
